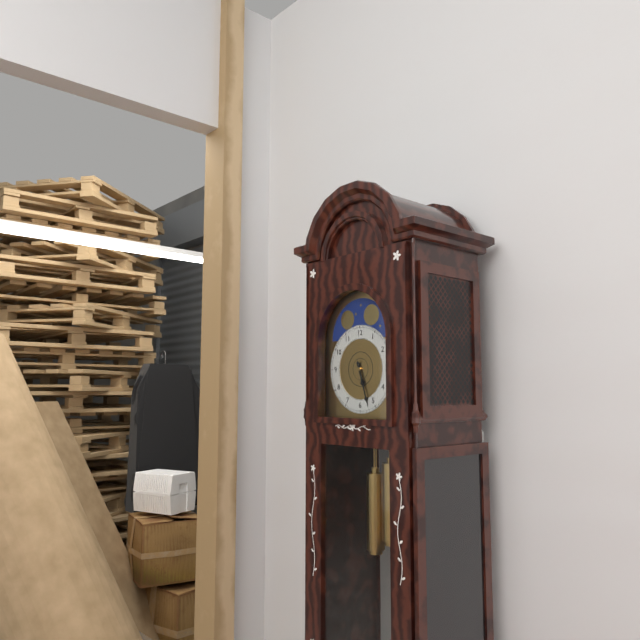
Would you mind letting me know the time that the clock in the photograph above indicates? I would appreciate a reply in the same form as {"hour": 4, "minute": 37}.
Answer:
{"hour": 5, "minute": 27}
